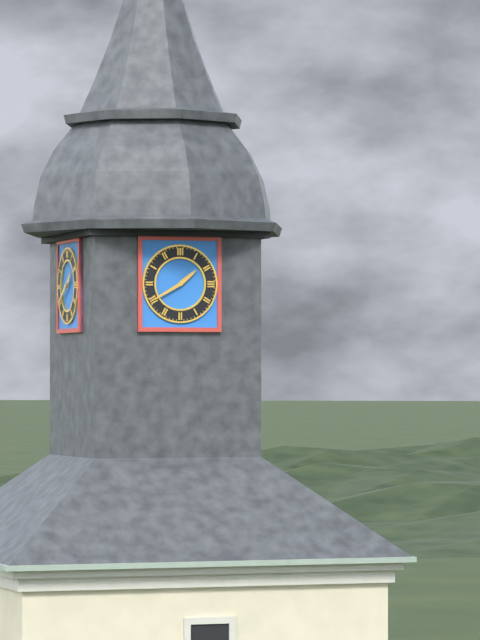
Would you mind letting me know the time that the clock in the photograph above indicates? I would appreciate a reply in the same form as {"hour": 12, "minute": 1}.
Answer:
{"hour": 1, "minute": 40}
